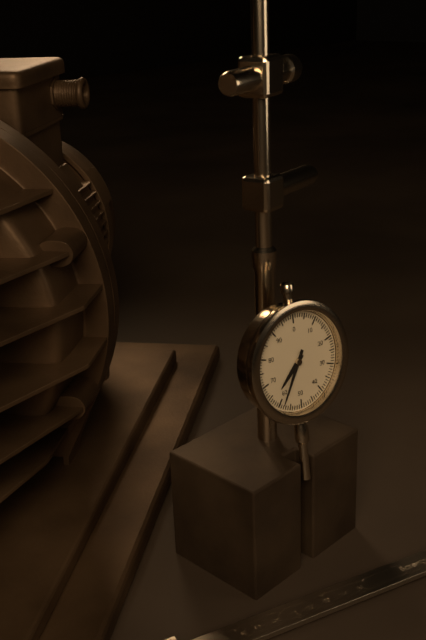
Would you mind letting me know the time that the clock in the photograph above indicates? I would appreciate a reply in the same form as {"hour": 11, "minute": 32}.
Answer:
{"hour": 7, "minute": 35}
